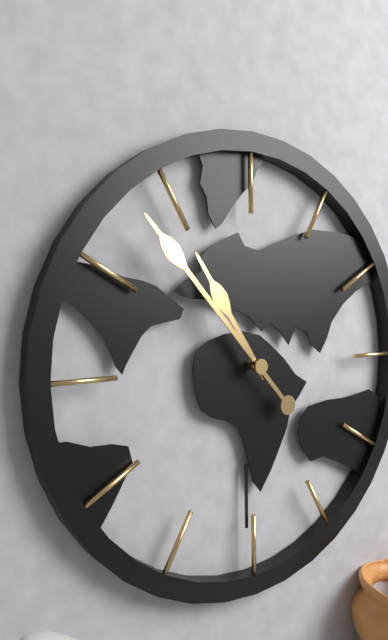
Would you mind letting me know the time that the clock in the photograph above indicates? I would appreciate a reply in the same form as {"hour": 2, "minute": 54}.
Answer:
{"hour": 10, "minute": 53}
